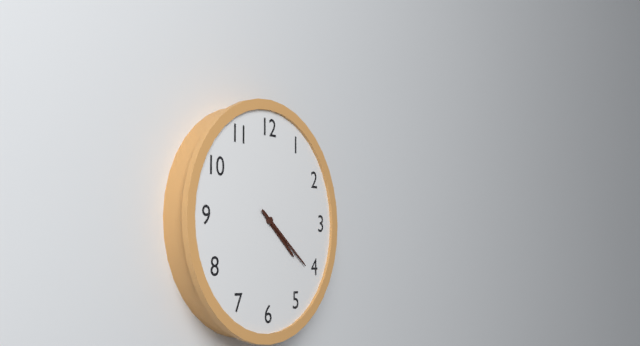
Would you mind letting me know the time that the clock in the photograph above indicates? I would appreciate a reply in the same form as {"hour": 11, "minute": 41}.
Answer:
{"hour": 4, "minute": 21}
